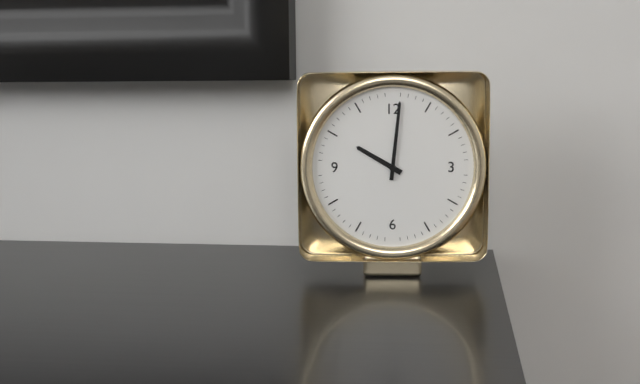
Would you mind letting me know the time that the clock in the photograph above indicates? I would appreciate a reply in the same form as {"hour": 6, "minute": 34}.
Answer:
{"hour": 10, "minute": 1}
